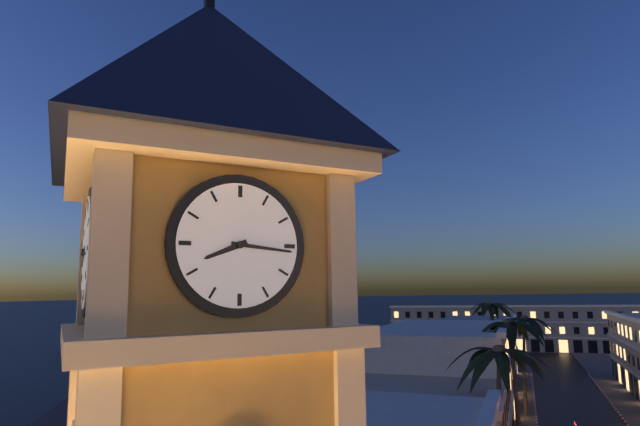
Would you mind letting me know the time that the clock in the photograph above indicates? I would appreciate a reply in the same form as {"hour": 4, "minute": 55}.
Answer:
{"hour": 8, "minute": 16}
